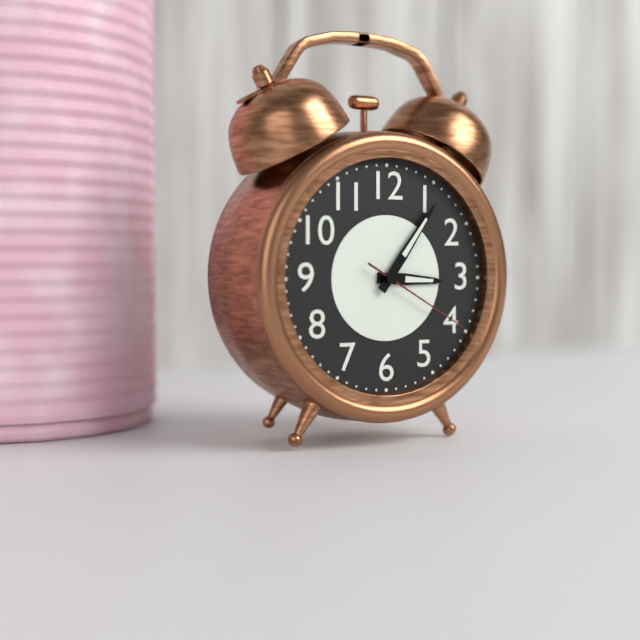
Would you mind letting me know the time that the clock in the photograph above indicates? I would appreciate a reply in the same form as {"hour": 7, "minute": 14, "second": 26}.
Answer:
{"hour": 3, "minute": 6, "second": 20}
